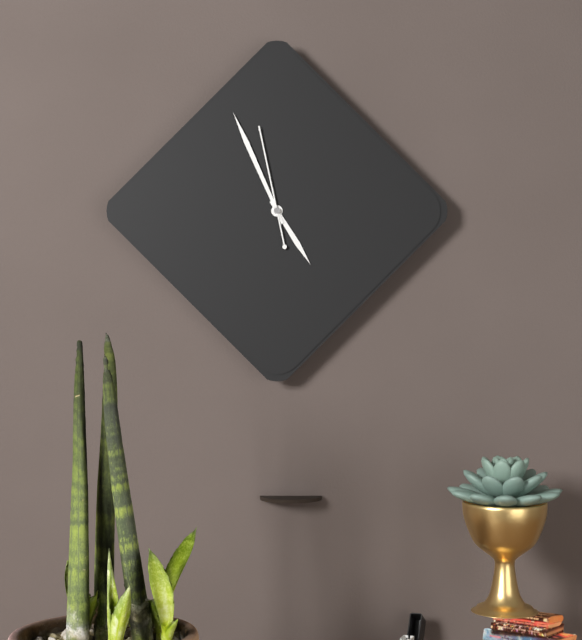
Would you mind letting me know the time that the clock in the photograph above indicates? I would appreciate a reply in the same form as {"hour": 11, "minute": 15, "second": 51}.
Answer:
{"hour": 4, "minute": 56, "second": 58}
